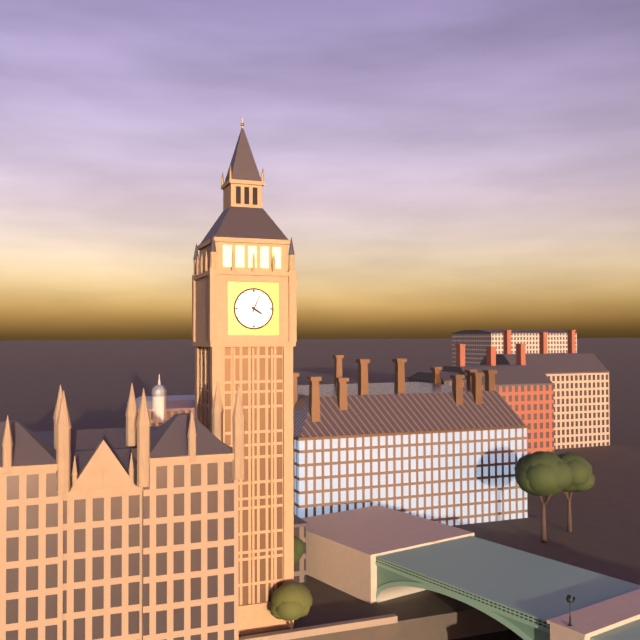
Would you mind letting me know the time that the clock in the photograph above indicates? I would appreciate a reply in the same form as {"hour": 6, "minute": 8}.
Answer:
{"hour": 4, "minute": 4}
